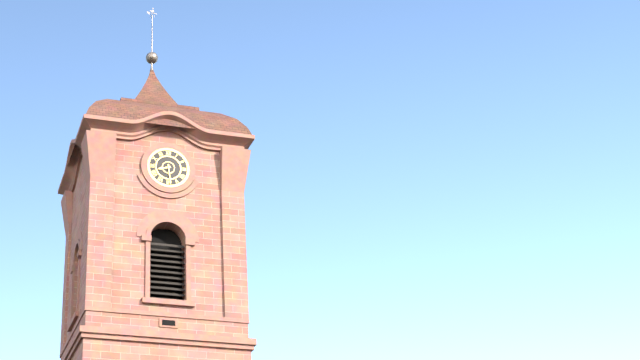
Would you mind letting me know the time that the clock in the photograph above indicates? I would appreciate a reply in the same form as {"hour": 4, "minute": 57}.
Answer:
{"hour": 8, "minute": 29}
